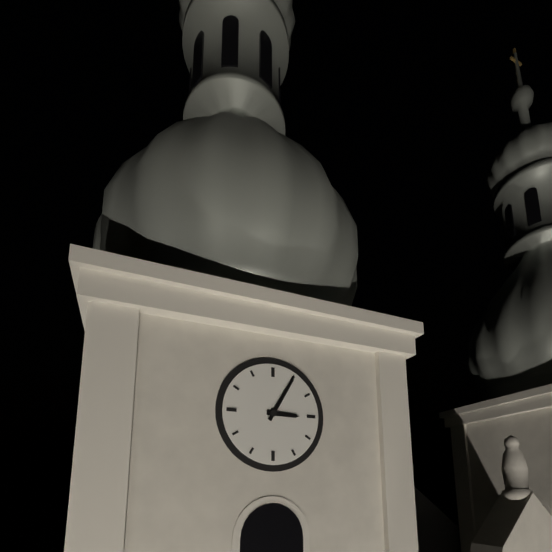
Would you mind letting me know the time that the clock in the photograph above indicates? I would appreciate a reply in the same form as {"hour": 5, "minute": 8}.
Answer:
{"hour": 3, "minute": 5}
